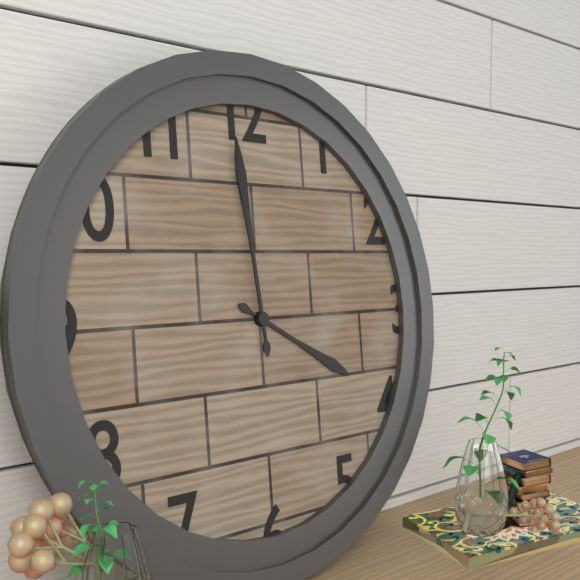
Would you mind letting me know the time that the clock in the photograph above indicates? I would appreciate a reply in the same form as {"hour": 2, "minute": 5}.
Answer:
{"hour": 3, "minute": 59}
